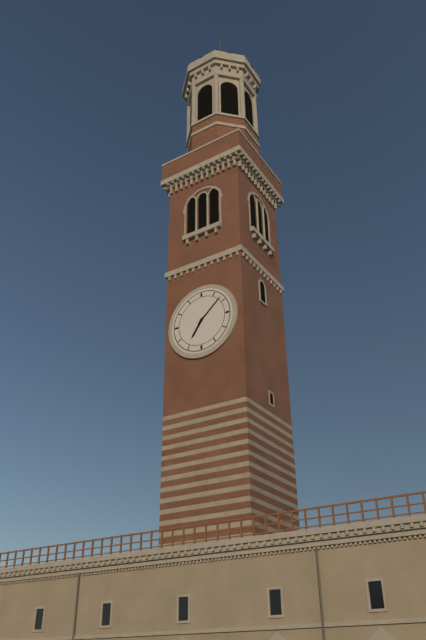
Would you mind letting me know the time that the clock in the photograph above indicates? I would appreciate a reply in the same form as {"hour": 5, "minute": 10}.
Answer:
{"hour": 7, "minute": 8}
